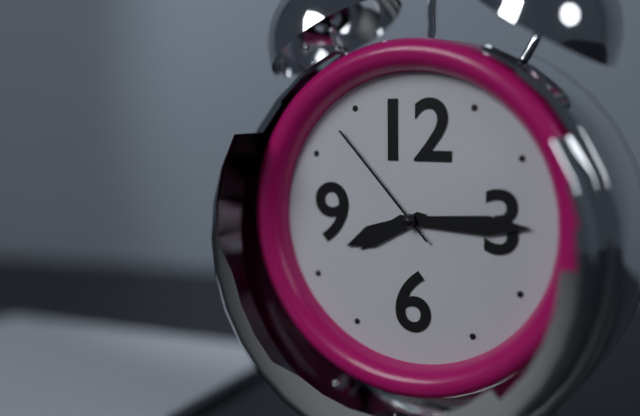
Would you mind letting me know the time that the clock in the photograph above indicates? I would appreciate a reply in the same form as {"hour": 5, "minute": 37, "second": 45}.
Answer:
{"hour": 8, "minute": 15, "second": 53}
